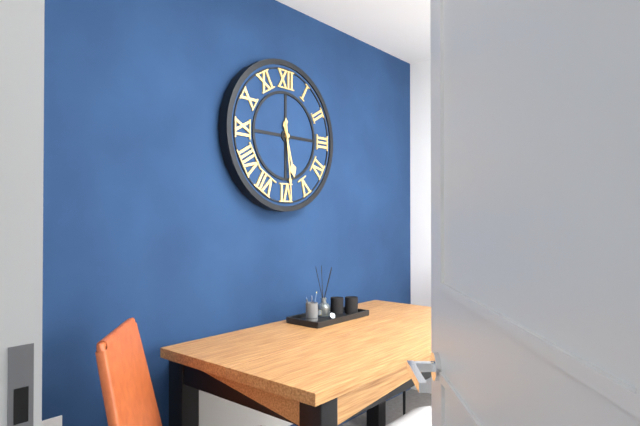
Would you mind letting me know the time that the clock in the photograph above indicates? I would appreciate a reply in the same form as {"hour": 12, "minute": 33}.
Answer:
{"hour": 5, "minute": 29}
